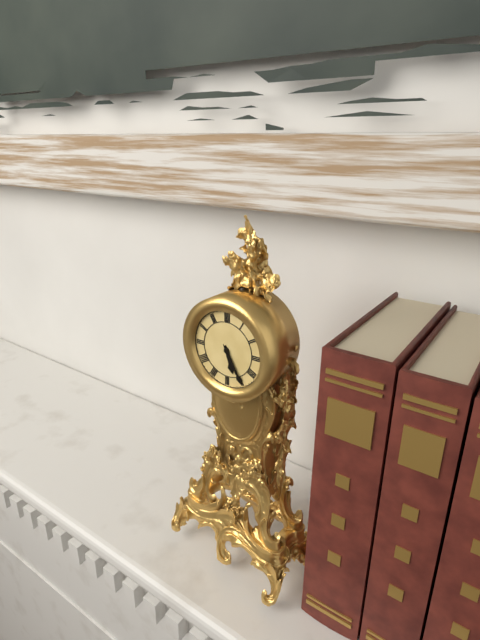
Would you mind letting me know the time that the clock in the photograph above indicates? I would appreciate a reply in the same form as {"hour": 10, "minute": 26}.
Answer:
{"hour": 5, "minute": 25}
